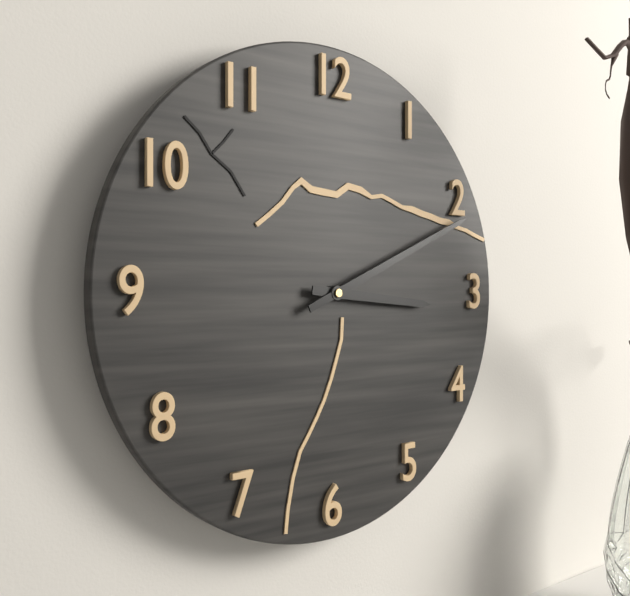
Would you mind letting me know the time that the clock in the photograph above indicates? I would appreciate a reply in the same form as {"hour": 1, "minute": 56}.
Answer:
{"hour": 3, "minute": 11}
